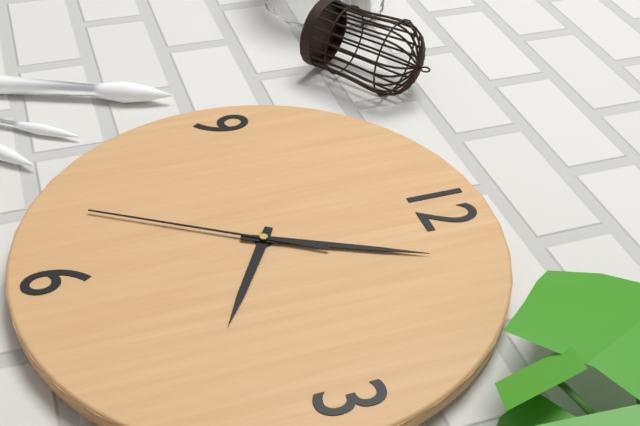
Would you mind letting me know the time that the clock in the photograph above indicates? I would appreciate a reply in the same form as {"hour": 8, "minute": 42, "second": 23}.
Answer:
{"hour": 4, "minute": 4, "second": 35}
